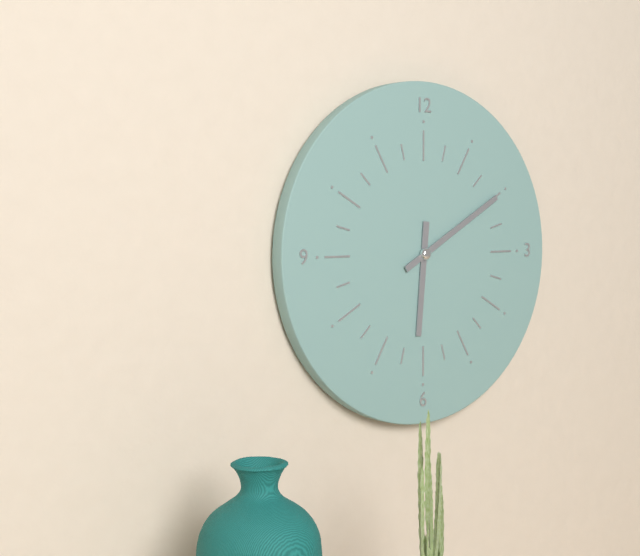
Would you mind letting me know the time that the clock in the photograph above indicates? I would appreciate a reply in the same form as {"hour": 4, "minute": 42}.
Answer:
{"hour": 6, "minute": 10}
